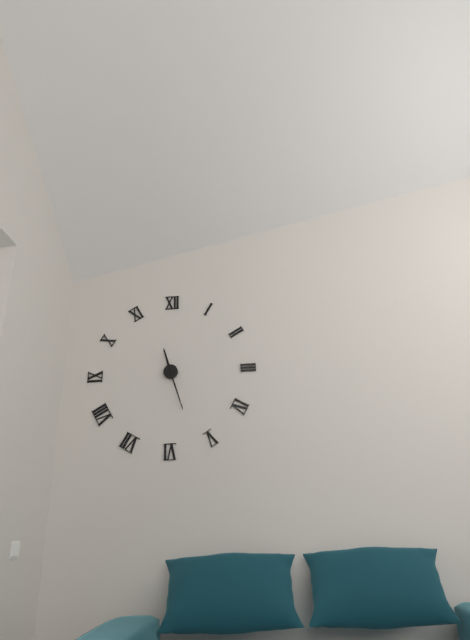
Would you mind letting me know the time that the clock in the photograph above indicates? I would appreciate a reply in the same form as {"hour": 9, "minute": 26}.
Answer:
{"hour": 11, "minute": 27}
